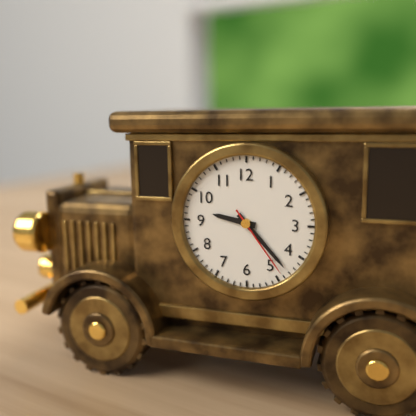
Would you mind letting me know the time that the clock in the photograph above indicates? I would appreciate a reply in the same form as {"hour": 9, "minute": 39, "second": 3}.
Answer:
{"hour": 9, "minute": 23, "second": 24}
